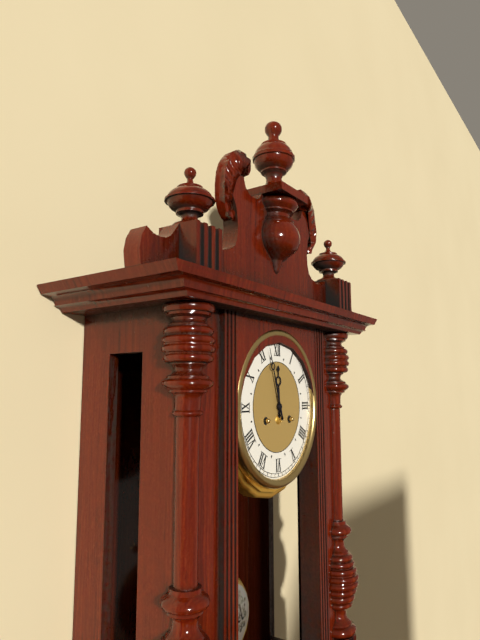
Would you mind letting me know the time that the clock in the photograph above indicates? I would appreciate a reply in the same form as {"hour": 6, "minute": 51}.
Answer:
{"hour": 11, "minute": 57}
